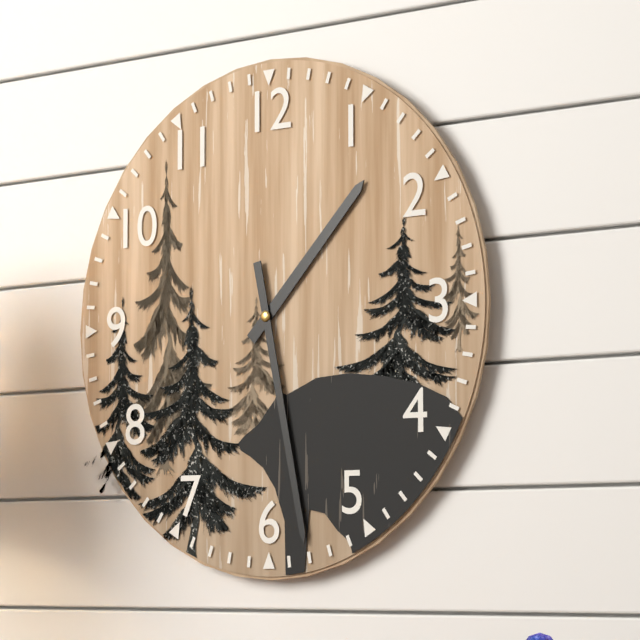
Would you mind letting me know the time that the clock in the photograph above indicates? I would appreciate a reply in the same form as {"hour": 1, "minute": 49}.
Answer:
{"hour": 1, "minute": 28}
